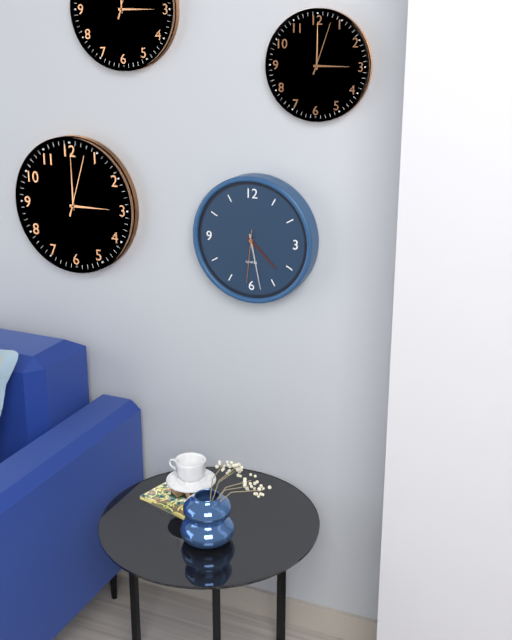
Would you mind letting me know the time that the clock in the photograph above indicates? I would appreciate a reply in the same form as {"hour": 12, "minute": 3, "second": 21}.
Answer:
{"hour": 4, "minute": 28, "second": 31}
